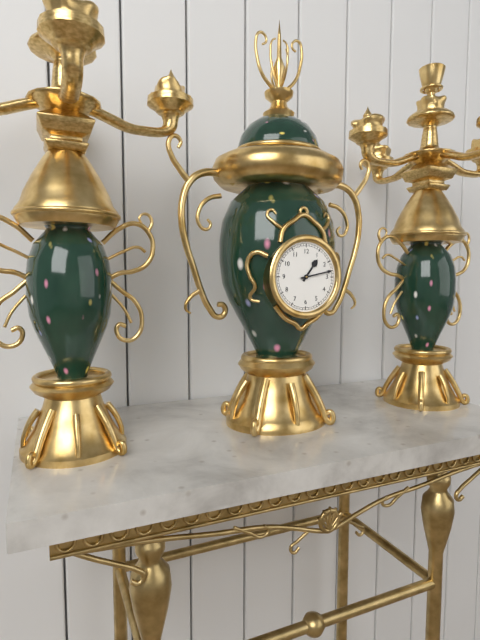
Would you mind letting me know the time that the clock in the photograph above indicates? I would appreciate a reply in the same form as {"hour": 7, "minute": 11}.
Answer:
{"hour": 1, "minute": 13}
